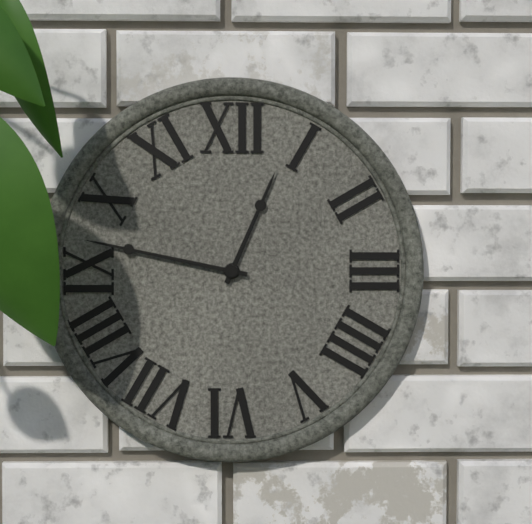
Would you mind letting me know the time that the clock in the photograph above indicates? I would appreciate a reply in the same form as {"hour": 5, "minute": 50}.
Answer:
{"hour": 12, "minute": 47}
